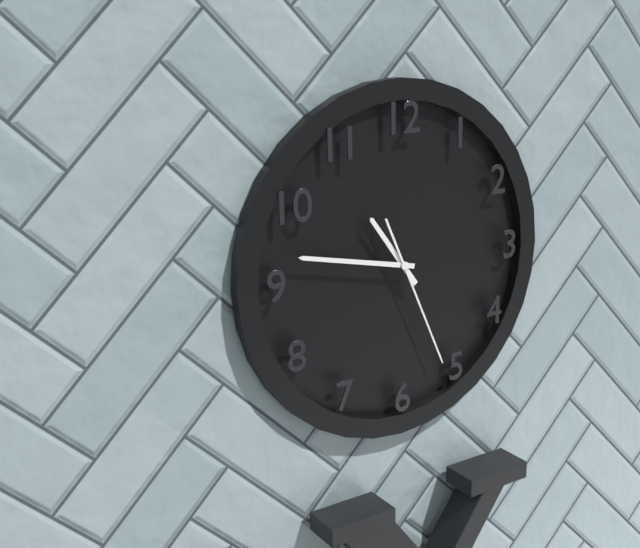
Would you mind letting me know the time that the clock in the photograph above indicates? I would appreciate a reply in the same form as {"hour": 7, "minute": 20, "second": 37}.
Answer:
{"hour": 10, "minute": 47, "second": 26}
